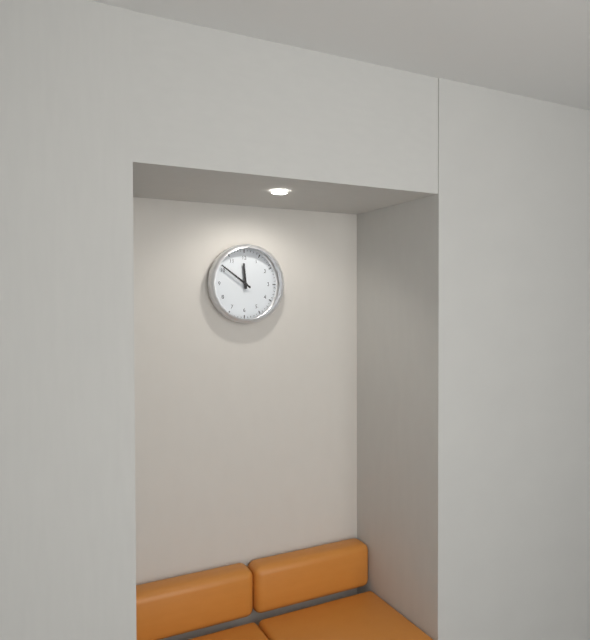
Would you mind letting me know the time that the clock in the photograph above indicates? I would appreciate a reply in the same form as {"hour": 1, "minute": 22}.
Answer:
{"hour": 11, "minute": 51}
